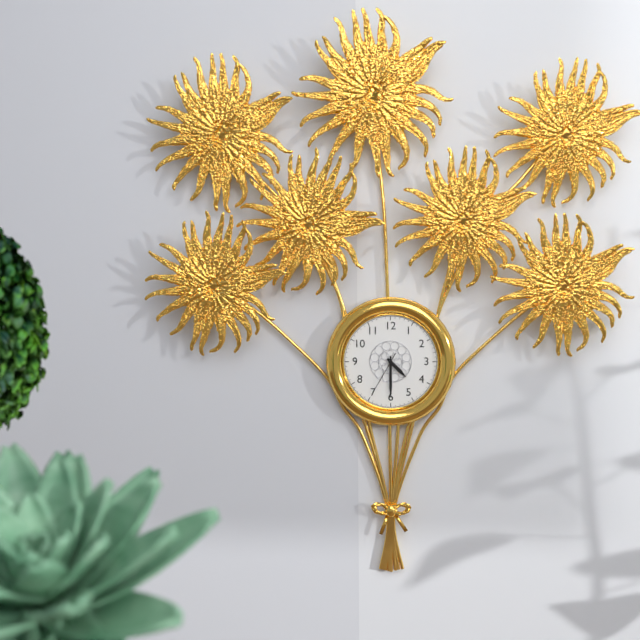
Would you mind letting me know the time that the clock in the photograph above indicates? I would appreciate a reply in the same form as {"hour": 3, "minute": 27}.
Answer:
{"hour": 4, "minute": 30}
